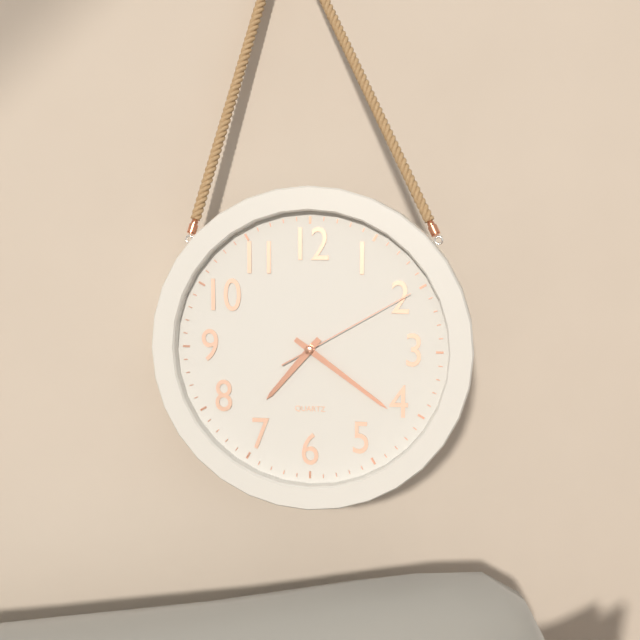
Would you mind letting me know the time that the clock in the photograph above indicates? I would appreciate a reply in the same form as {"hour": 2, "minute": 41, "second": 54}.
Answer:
{"hour": 7, "minute": 21, "second": 10}
